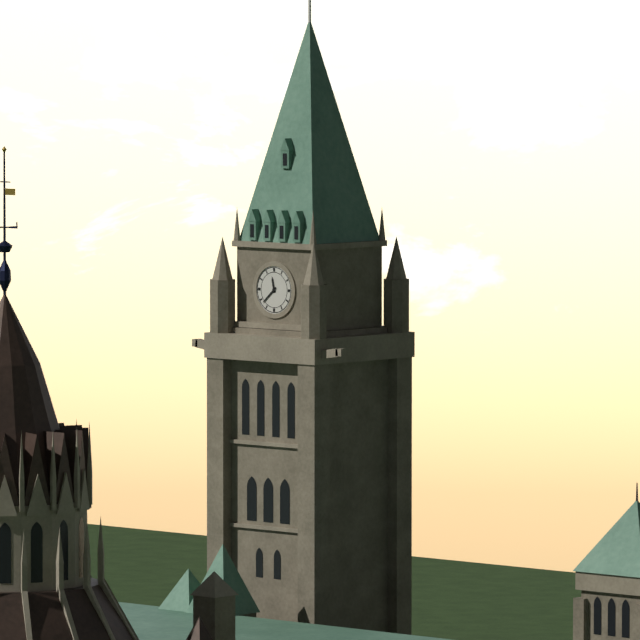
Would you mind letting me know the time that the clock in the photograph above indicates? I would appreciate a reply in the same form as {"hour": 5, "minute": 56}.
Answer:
{"hour": 11, "minute": 38}
